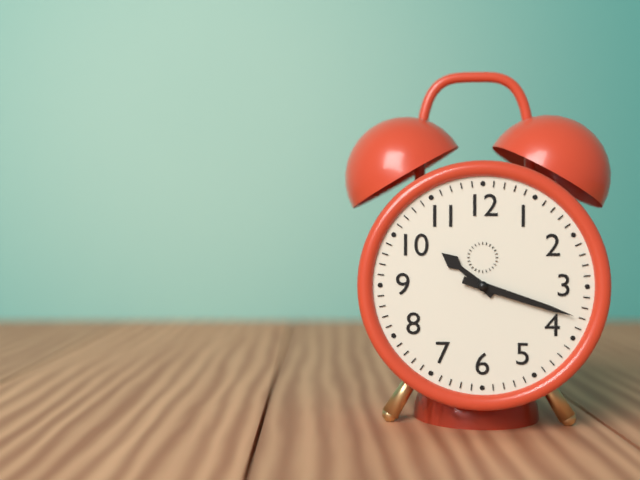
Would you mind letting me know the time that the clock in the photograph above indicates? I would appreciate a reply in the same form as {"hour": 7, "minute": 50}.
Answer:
{"hour": 10, "minute": 18}
